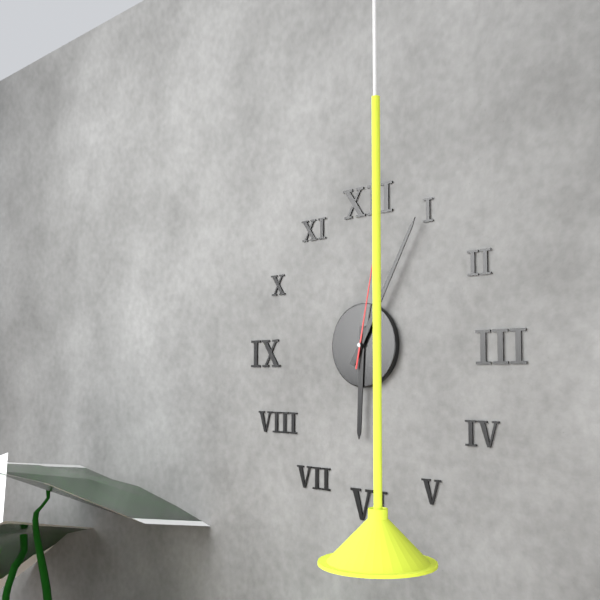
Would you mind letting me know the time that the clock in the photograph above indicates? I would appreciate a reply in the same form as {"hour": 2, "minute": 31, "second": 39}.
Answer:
{"hour": 6, "minute": 5, "second": 2}
